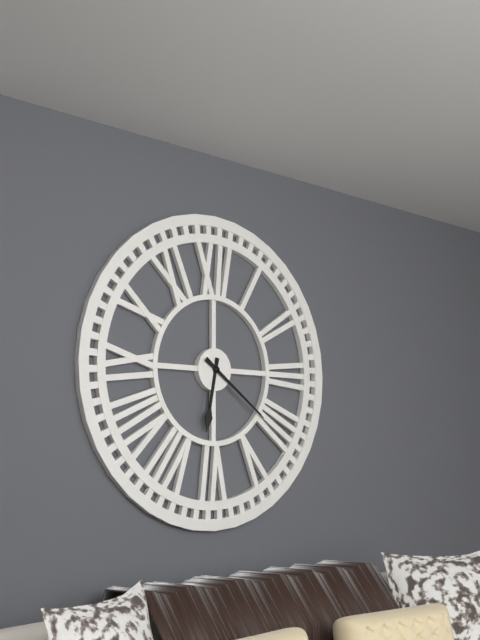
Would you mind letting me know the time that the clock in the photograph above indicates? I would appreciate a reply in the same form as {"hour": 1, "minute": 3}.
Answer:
{"hour": 6, "minute": 21}
